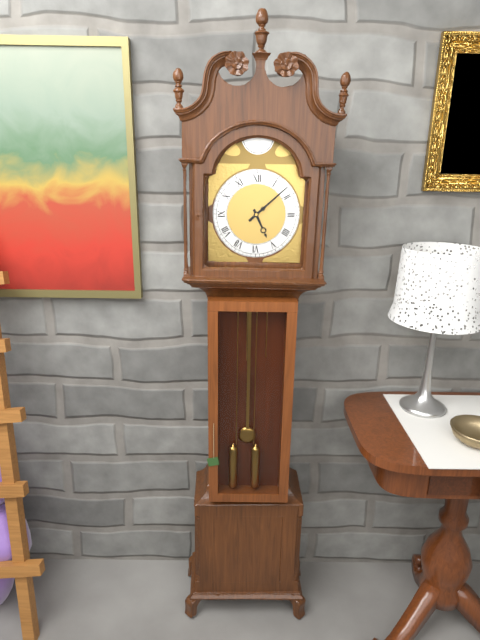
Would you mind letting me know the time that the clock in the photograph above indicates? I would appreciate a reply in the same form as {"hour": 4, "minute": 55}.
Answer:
{"hour": 5, "minute": 8}
